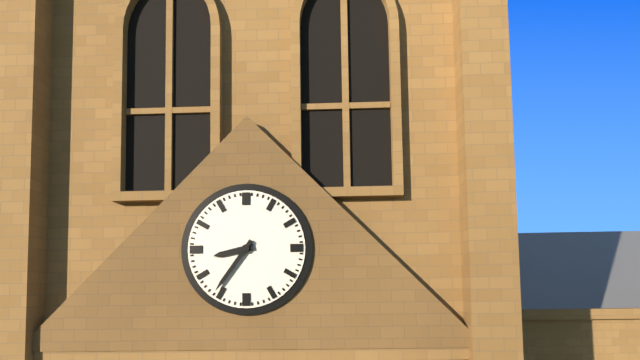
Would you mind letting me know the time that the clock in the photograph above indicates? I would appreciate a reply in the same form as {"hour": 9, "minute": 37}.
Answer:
{"hour": 8, "minute": 36}
